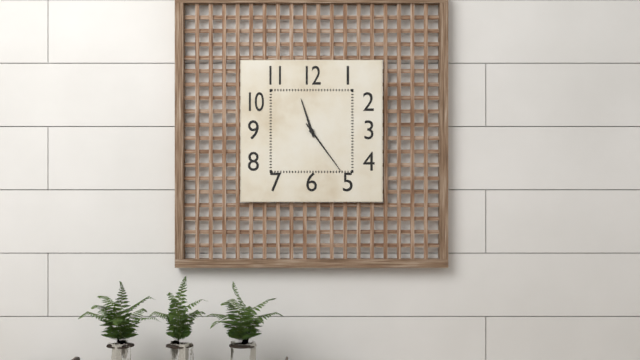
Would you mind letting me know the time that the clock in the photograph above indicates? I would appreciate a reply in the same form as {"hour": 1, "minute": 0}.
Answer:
{"hour": 11, "minute": 24}
